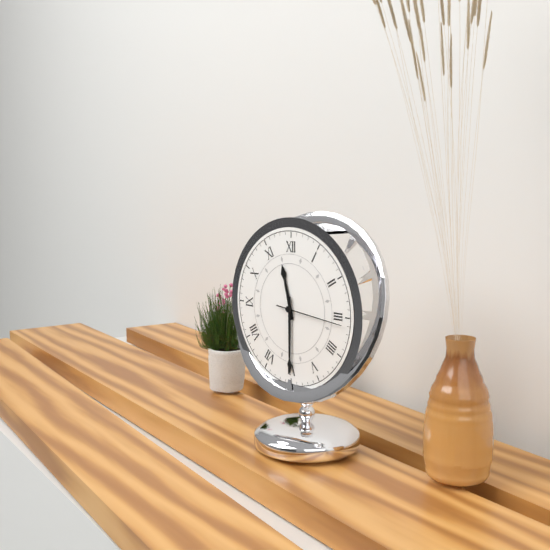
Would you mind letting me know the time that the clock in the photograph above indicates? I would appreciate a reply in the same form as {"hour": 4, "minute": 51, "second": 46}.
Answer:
{"hour": 11, "minute": 30, "second": 16}
